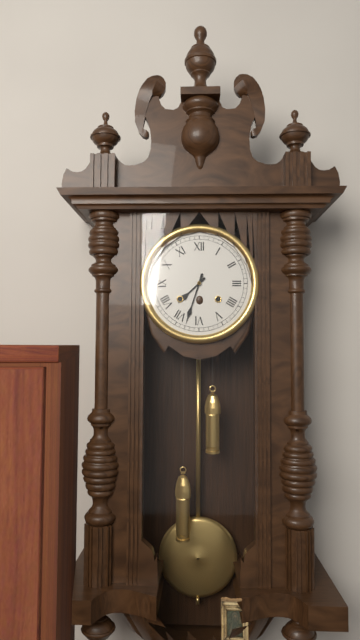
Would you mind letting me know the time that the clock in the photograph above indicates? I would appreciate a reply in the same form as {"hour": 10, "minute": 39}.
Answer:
{"hour": 7, "minute": 33}
